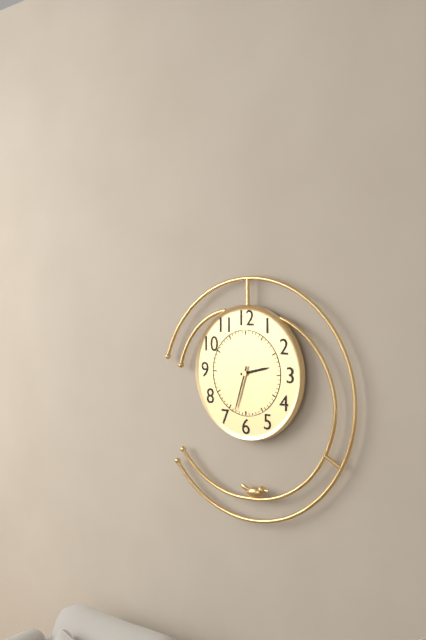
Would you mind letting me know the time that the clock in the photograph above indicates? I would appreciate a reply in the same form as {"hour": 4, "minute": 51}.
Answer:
{"hour": 2, "minute": 33}
